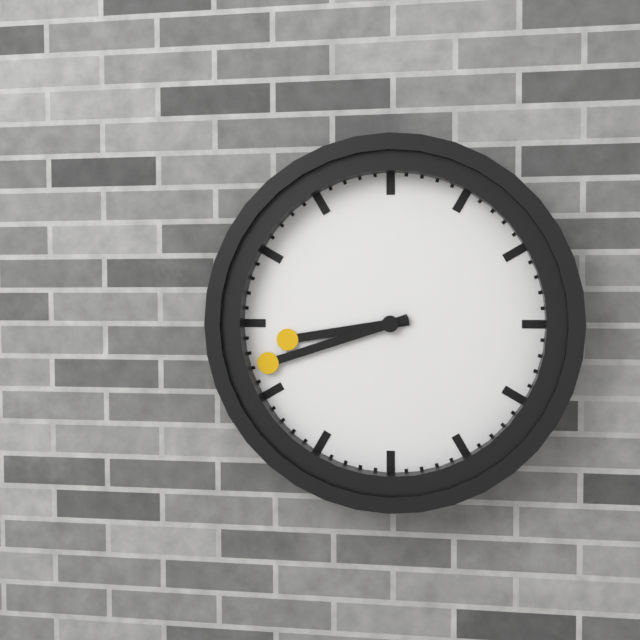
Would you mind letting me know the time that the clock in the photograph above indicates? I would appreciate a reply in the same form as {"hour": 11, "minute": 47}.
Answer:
{"hour": 8, "minute": 42}
